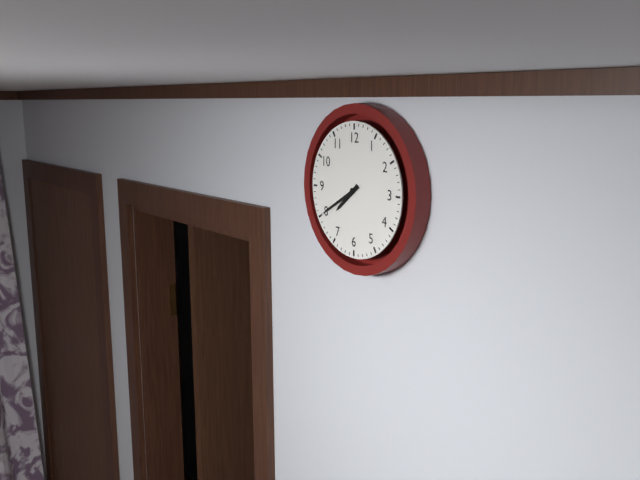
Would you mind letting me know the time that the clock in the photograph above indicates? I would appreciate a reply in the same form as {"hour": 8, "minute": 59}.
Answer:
{"hour": 7, "minute": 40}
